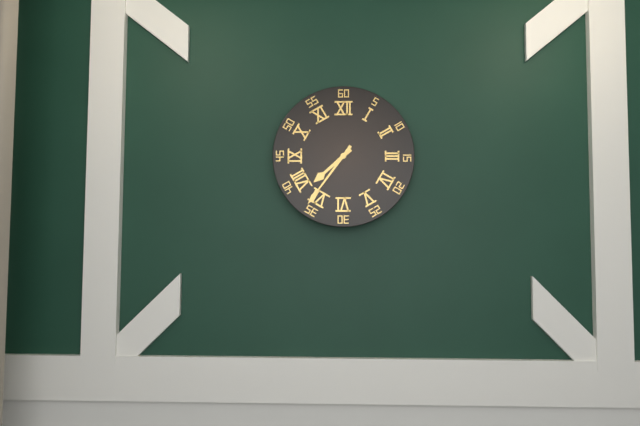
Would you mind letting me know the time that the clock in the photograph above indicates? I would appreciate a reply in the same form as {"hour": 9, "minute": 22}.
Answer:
{"hour": 7, "minute": 36}
